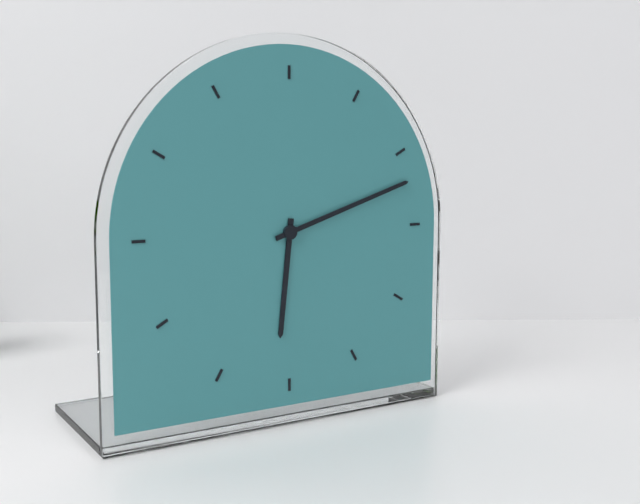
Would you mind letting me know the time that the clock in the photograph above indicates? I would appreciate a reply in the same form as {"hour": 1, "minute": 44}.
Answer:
{"hour": 6, "minute": 12}
